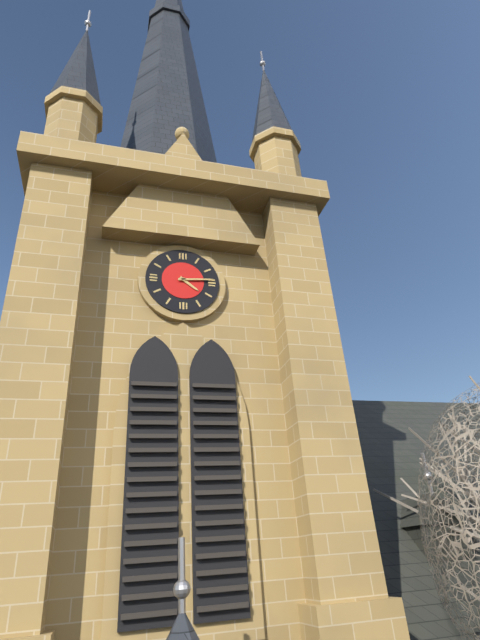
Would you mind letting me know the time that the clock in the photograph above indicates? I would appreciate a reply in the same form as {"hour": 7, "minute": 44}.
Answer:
{"hour": 4, "minute": 14}
